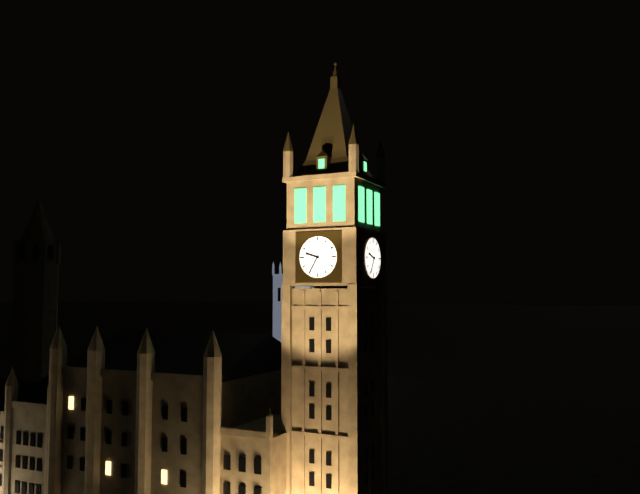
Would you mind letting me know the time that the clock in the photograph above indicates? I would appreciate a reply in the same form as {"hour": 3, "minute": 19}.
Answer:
{"hour": 9, "minute": 35}
